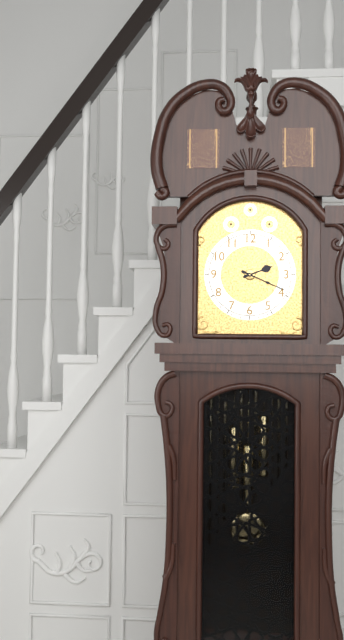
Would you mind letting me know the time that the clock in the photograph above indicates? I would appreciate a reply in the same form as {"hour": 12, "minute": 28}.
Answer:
{"hour": 2, "minute": 19}
